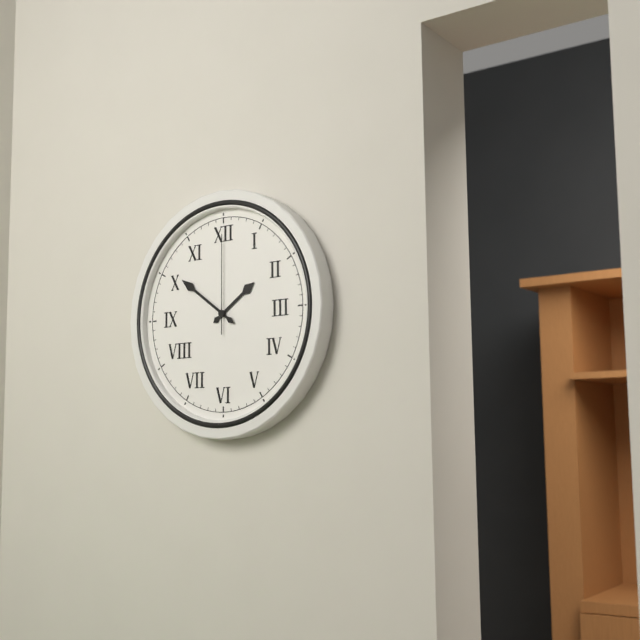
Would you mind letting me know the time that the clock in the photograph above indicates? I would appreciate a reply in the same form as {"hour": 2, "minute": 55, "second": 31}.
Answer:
{"hour": 1, "minute": 51, "second": 0}
